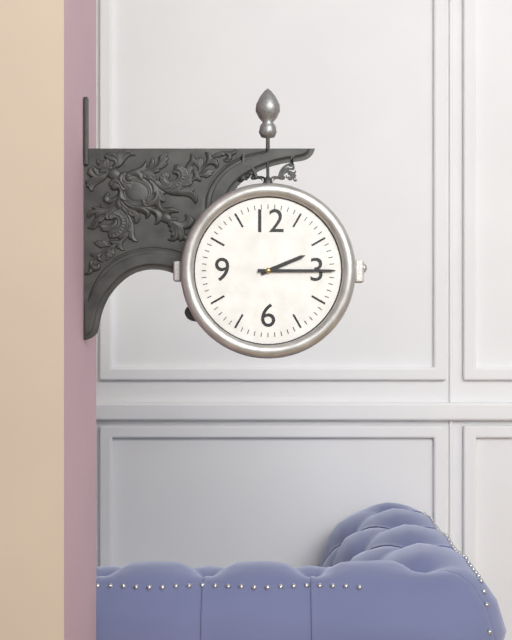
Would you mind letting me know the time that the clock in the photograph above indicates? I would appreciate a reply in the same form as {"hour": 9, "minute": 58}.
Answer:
{"hour": 2, "minute": 15}
